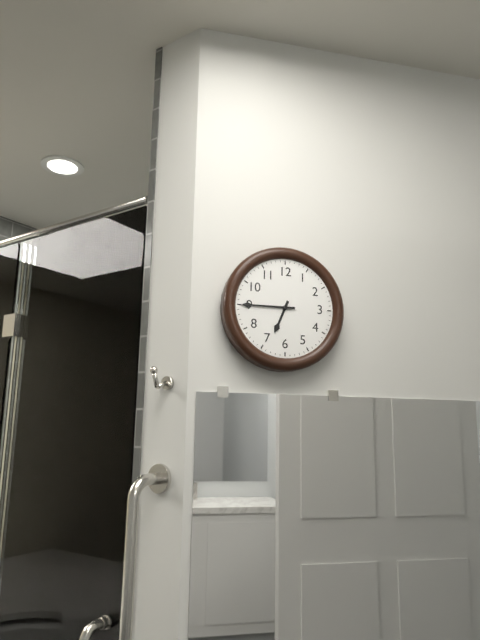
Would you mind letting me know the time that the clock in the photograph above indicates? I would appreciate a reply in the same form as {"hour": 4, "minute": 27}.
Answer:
{"hour": 6, "minute": 45}
